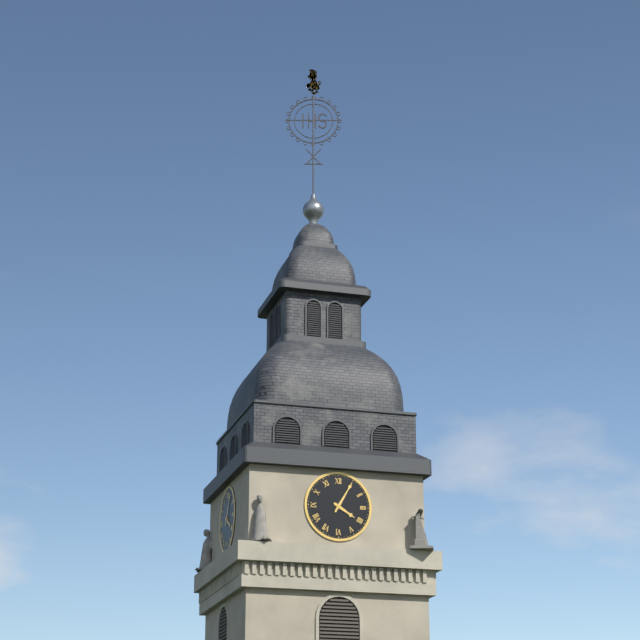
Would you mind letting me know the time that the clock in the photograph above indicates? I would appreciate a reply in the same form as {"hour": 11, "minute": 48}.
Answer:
{"hour": 4, "minute": 5}
